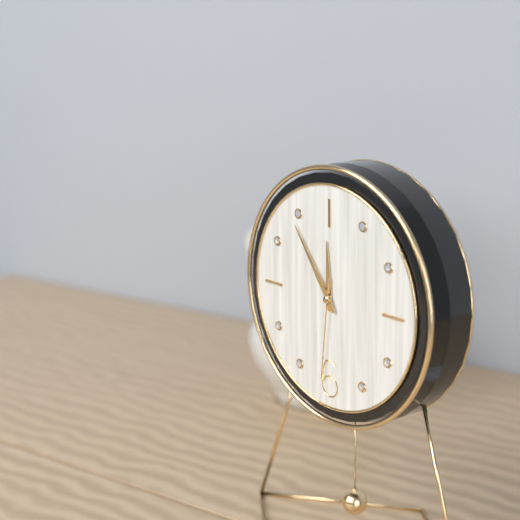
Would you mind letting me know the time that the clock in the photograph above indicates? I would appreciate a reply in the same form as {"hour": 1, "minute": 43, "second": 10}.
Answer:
{"hour": 11, "minute": 54, "second": 31}
